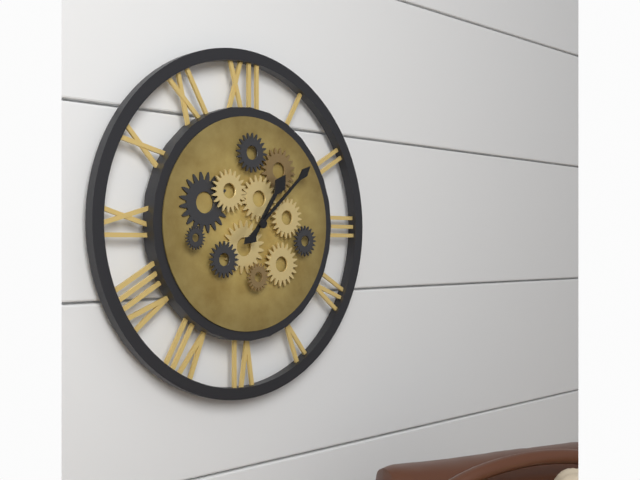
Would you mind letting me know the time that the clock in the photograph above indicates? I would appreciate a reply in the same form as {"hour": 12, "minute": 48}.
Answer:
{"hour": 1, "minute": 8}
